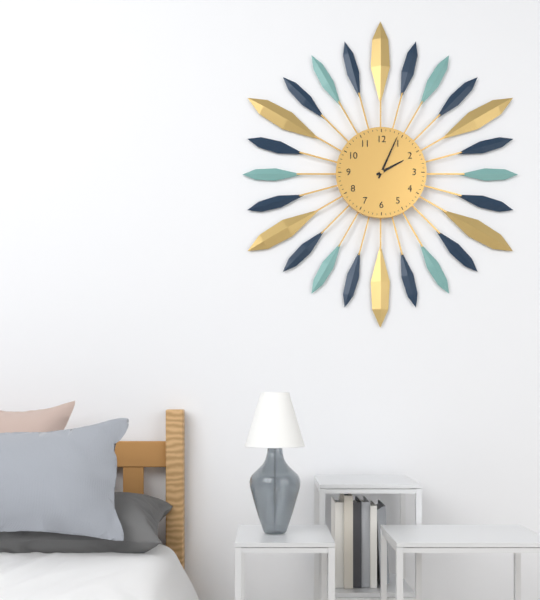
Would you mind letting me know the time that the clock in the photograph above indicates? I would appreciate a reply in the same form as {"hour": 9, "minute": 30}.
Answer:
{"hour": 2, "minute": 4}
